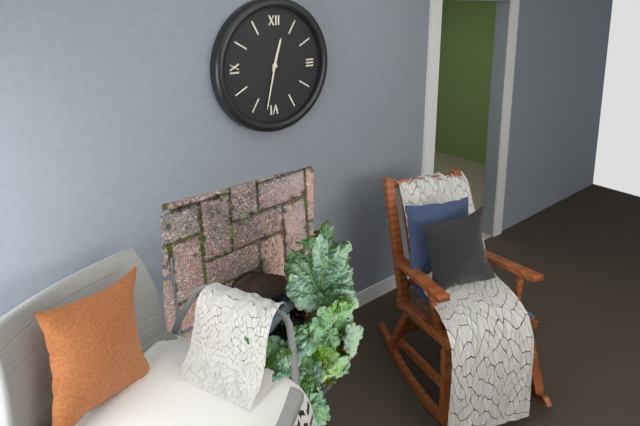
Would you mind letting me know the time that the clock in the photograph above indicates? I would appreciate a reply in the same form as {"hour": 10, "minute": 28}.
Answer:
{"hour": 12, "minute": 32}
